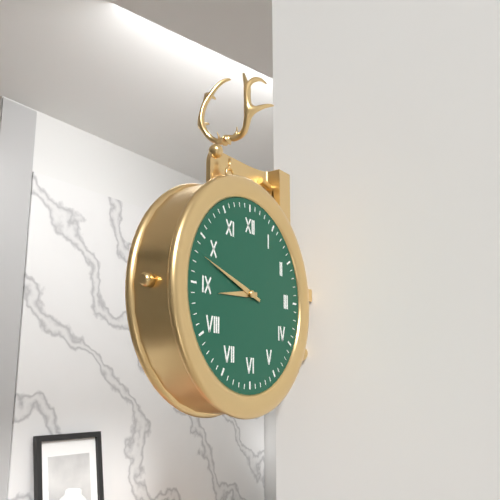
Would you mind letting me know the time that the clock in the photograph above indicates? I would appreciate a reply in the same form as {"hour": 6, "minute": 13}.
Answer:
{"hour": 8, "minute": 48}
